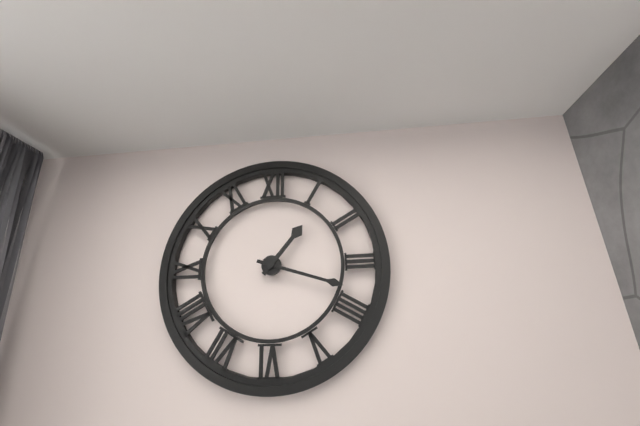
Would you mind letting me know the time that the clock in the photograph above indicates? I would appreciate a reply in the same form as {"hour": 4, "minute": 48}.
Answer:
{"hour": 1, "minute": 18}
